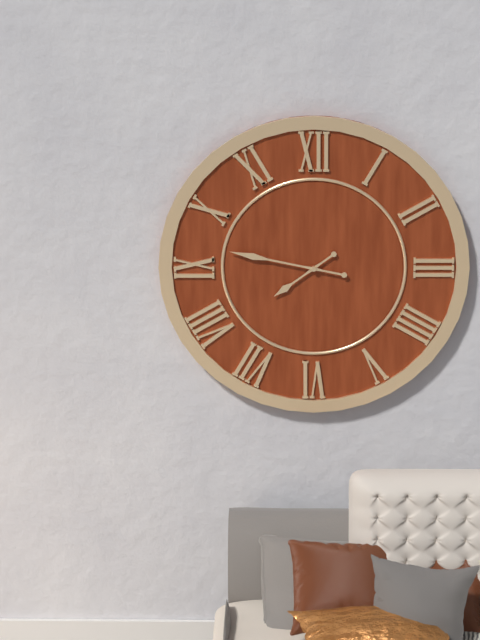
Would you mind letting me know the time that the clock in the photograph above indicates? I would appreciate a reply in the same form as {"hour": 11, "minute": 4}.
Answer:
{"hour": 7, "minute": 47}
